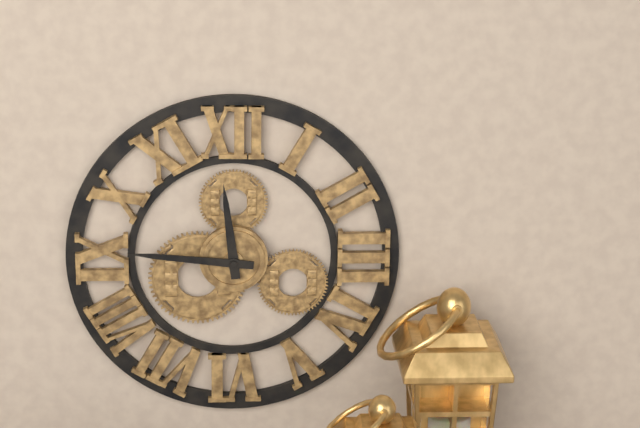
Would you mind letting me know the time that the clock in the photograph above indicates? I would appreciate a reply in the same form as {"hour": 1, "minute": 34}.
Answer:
{"hour": 11, "minute": 46}
